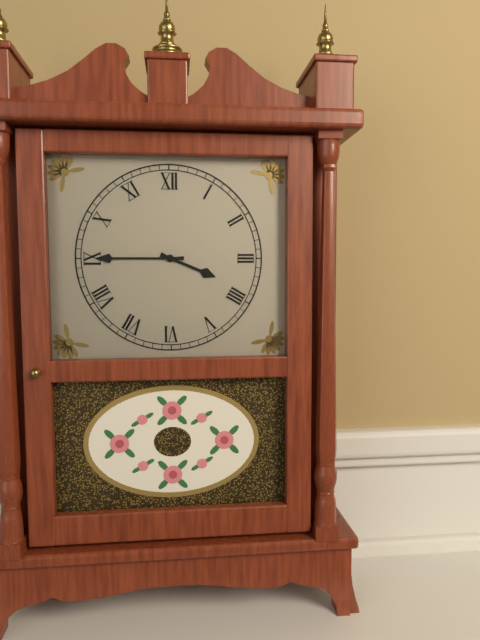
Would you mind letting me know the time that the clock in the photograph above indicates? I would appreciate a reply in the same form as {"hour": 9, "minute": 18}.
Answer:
{"hour": 3, "minute": 45}
